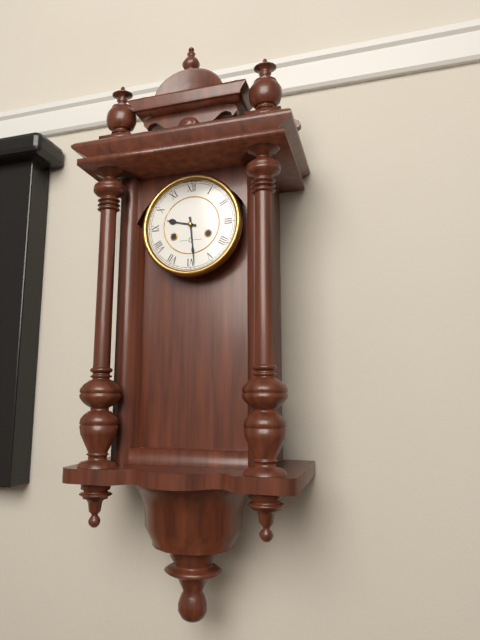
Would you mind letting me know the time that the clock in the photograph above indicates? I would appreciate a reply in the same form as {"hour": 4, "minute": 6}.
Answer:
{"hour": 9, "minute": 29}
